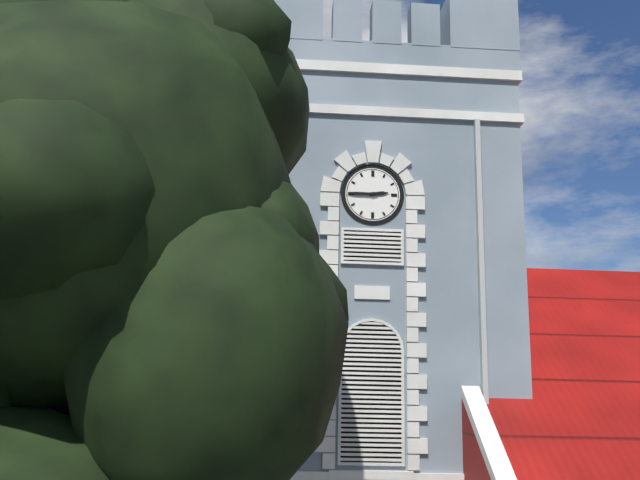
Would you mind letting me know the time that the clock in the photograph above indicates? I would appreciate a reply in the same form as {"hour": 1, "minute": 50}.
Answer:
{"hour": 2, "minute": 45}
